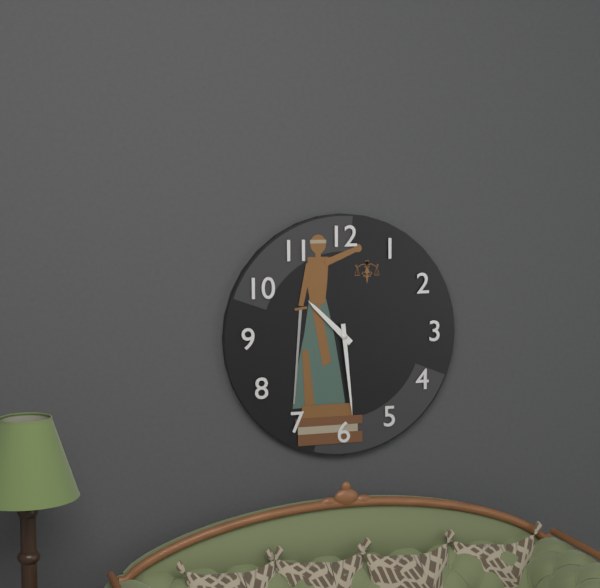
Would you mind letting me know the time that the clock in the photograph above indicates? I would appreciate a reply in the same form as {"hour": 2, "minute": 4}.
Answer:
{"hour": 10, "minute": 29}
